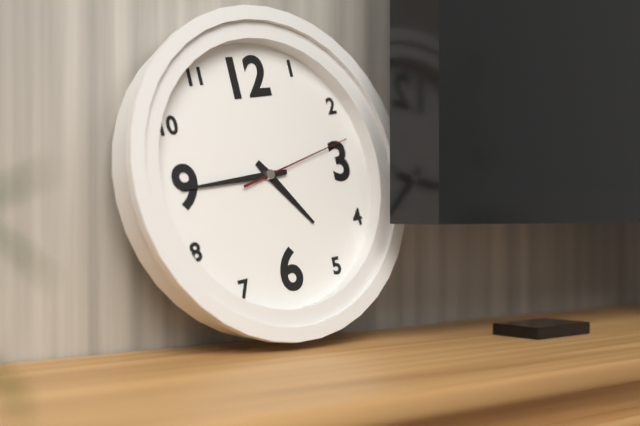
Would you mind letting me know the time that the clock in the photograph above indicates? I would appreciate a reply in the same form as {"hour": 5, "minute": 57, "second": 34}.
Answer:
{"hour": 4, "minute": 45, "second": 13}
